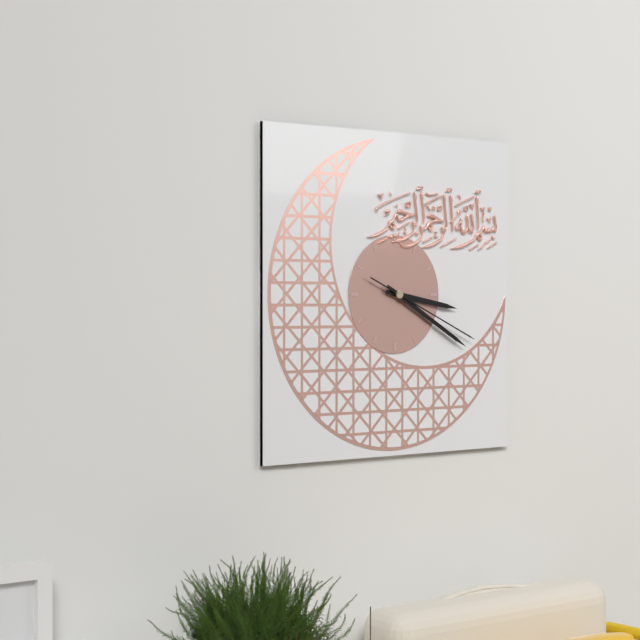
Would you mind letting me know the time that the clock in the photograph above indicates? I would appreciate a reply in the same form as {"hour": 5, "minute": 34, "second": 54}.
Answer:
{"hour": 3, "minute": 20, "second": 19}
